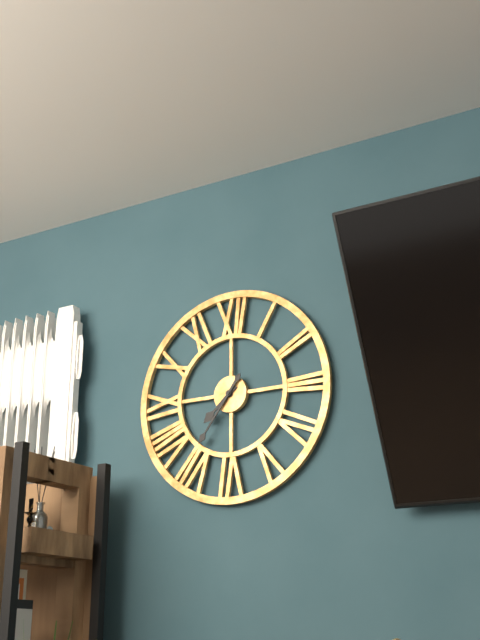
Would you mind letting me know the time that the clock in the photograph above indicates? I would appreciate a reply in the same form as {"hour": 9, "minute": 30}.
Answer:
{"hour": 7, "minute": 36}
